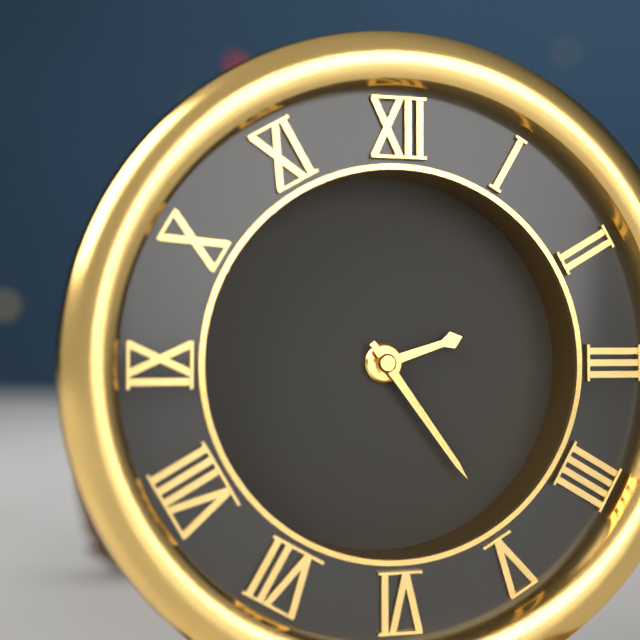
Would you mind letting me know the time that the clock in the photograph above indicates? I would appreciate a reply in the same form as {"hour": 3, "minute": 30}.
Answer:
{"hour": 2, "minute": 24}
